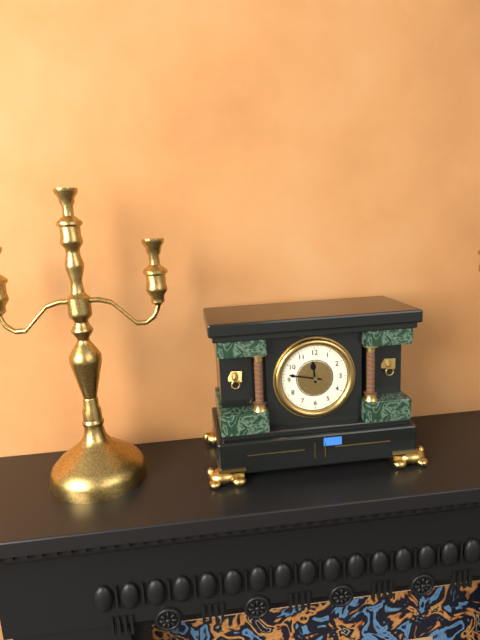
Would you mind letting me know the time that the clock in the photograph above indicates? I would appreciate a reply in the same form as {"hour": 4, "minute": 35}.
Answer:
{"hour": 11, "minute": 47}
